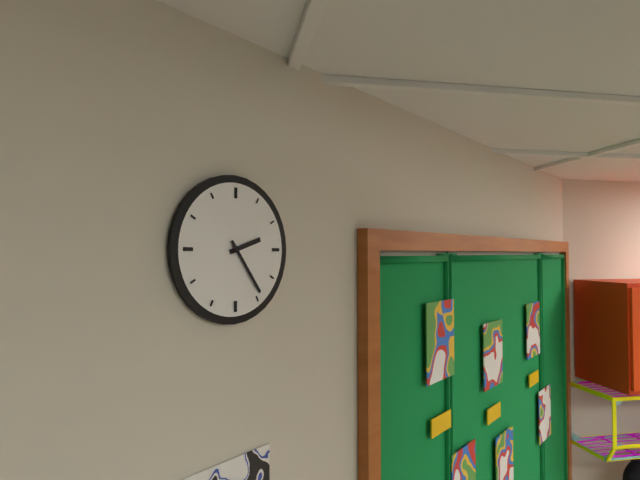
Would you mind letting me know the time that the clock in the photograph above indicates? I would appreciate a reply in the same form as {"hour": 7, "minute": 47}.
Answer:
{"hour": 2, "minute": 24}
